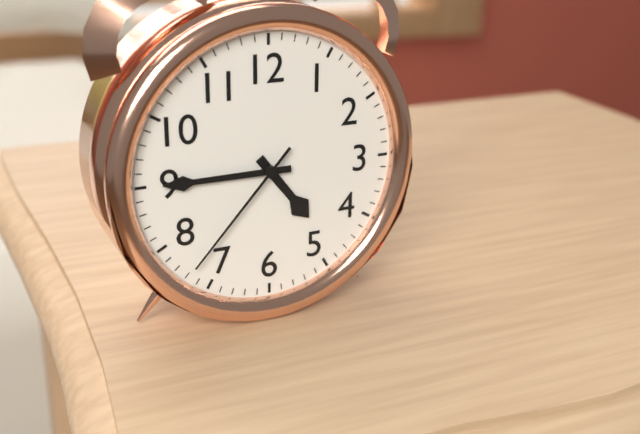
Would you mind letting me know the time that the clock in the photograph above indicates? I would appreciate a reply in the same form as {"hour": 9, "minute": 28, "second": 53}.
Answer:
{"hour": 4, "minute": 45, "second": 37}
